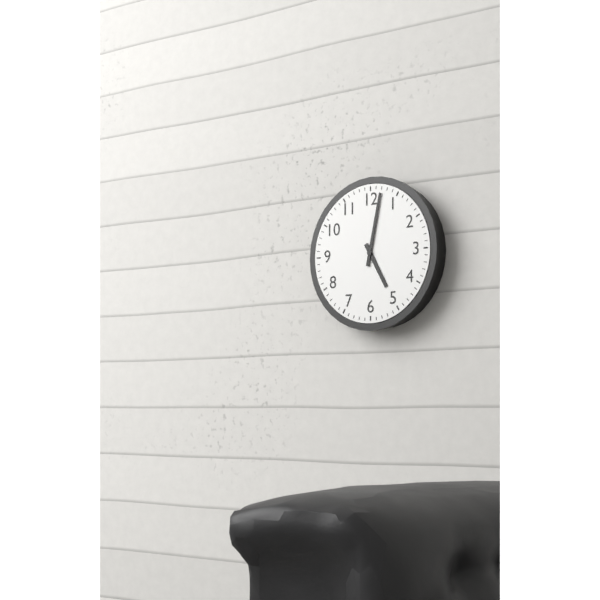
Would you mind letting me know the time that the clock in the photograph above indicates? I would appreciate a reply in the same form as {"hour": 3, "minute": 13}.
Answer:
{"hour": 5, "minute": 2}
